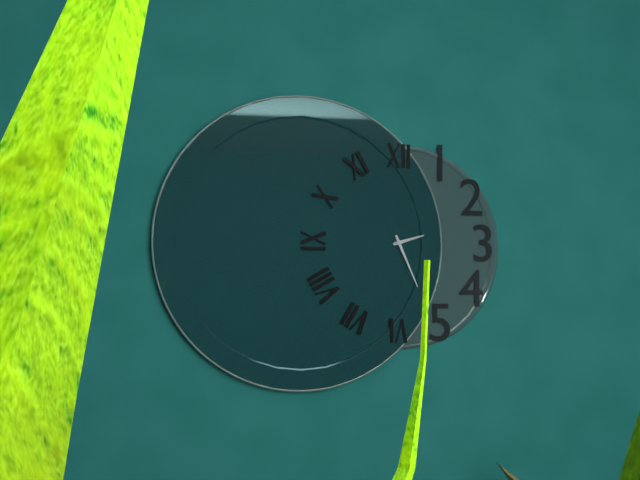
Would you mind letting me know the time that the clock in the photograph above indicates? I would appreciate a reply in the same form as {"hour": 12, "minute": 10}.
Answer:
{"hour": 2, "minute": 26}
